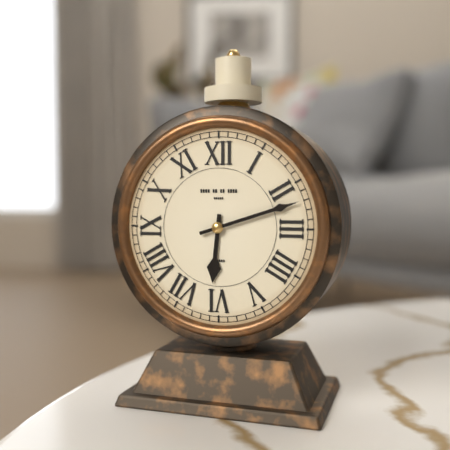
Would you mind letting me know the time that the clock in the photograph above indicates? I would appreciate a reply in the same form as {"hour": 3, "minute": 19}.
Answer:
{"hour": 6, "minute": 12}
